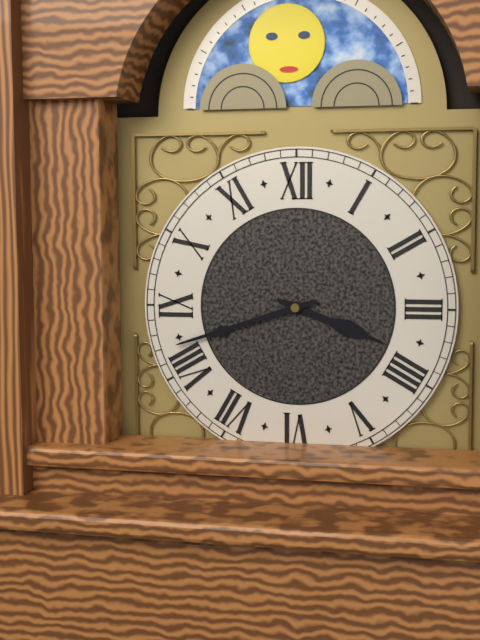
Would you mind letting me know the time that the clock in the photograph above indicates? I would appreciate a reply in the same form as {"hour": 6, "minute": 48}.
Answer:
{"hour": 3, "minute": 42}
